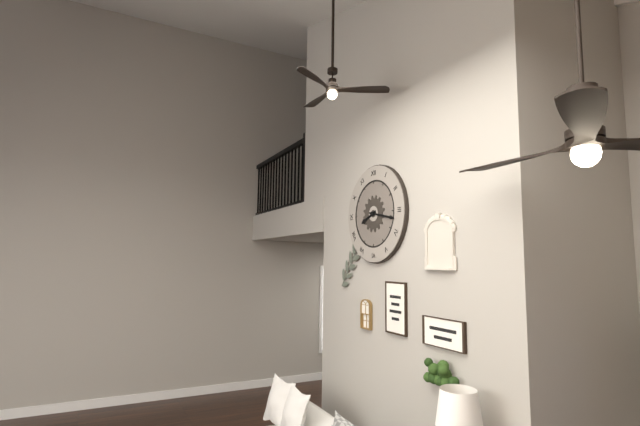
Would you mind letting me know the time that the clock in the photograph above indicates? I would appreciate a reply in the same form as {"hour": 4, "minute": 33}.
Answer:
{"hour": 8, "minute": 17}
